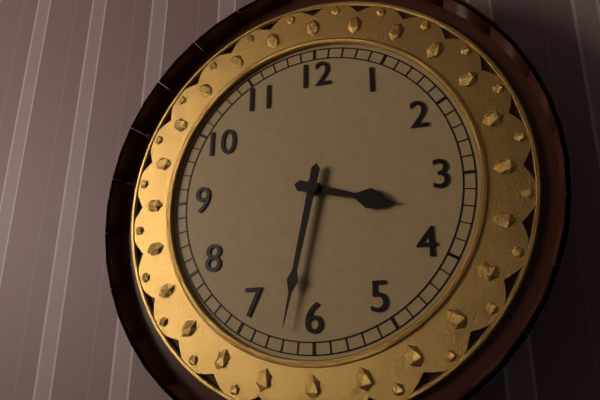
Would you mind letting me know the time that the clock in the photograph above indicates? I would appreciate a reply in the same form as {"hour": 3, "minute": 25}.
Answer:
{"hour": 3, "minute": 32}
